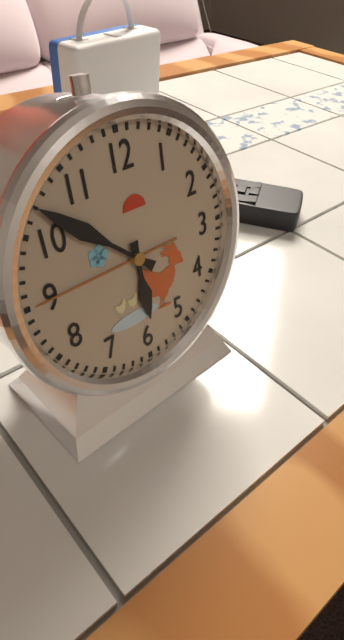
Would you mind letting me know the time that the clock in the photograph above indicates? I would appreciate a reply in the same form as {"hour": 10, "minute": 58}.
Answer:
{"hour": 5, "minute": 52}
